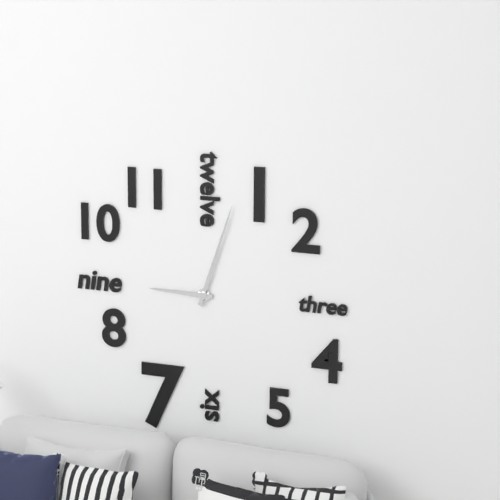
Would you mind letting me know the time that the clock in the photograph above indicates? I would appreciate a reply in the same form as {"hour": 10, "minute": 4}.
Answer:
{"hour": 9, "minute": 3}
